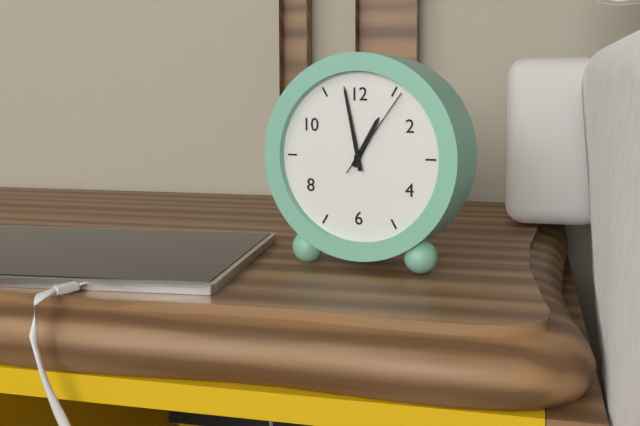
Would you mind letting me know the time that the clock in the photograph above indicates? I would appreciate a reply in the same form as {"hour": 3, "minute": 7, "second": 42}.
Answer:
{"hour": 12, "minute": 58, "second": 6}
